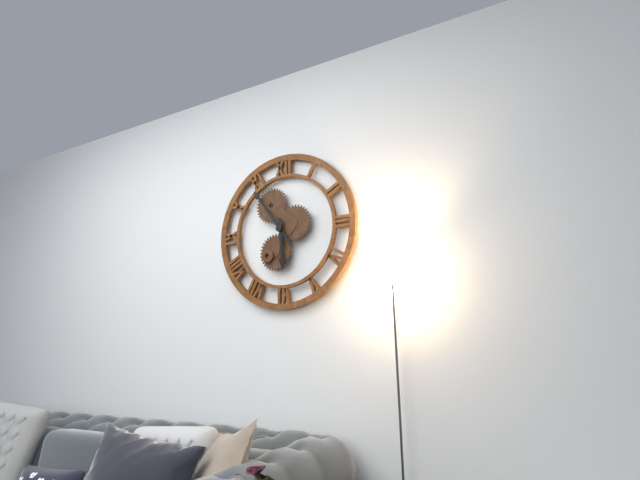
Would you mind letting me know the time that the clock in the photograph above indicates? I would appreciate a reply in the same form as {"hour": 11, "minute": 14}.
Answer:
{"hour": 5, "minute": 54}
